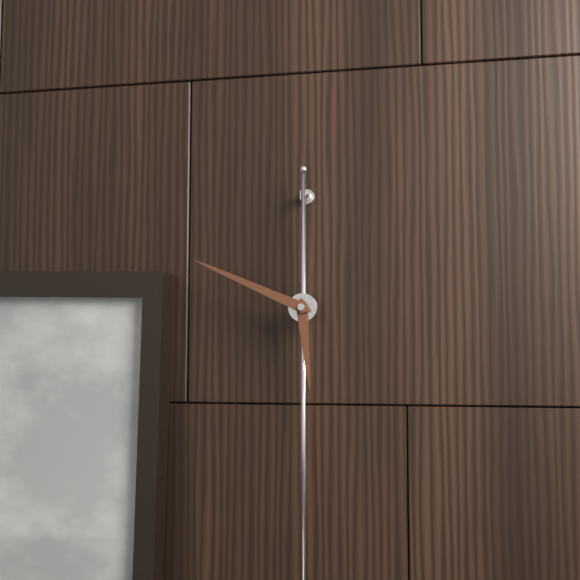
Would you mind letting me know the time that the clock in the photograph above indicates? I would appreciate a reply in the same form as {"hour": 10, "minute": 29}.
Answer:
{"hour": 5, "minute": 49}
